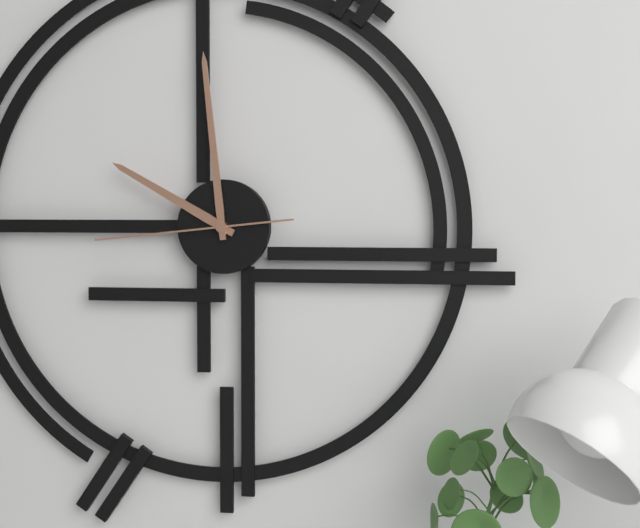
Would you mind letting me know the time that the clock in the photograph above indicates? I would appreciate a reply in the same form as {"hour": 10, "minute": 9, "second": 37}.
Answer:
{"hour": 9, "minute": 59, "second": 44}
